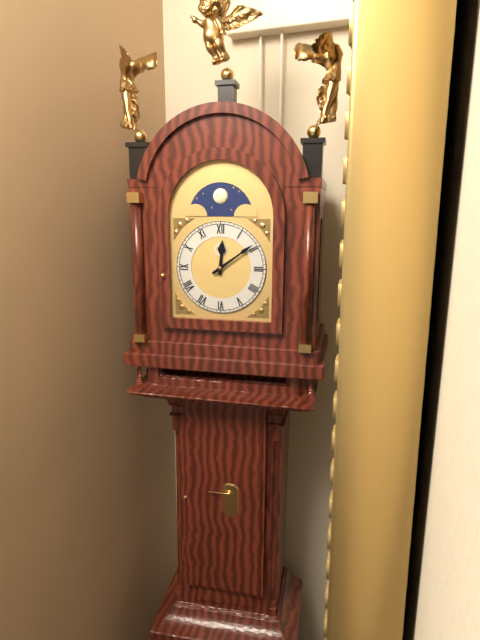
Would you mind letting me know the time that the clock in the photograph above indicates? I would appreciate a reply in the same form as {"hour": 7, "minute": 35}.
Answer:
{"hour": 12, "minute": 9}
